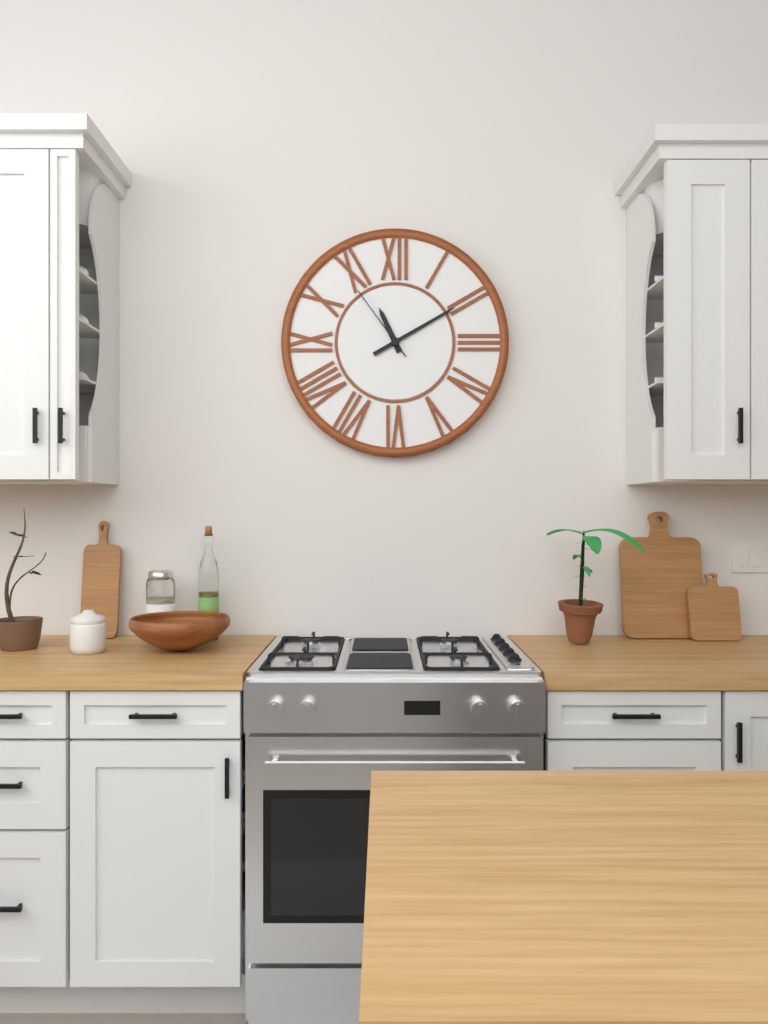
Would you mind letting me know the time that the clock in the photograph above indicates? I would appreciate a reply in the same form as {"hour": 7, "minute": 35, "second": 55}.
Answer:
{"hour": 11, "minute": 10, "second": 54}
